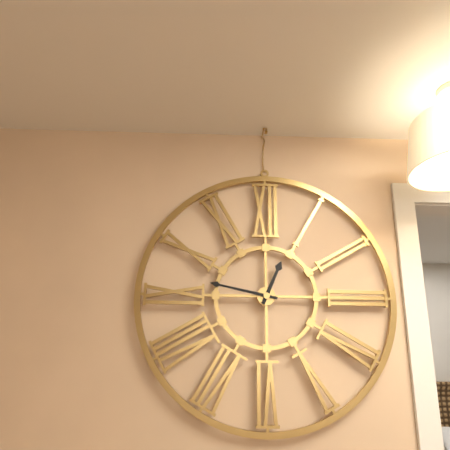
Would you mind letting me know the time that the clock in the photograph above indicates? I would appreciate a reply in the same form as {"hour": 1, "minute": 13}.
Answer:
{"hour": 12, "minute": 47}
